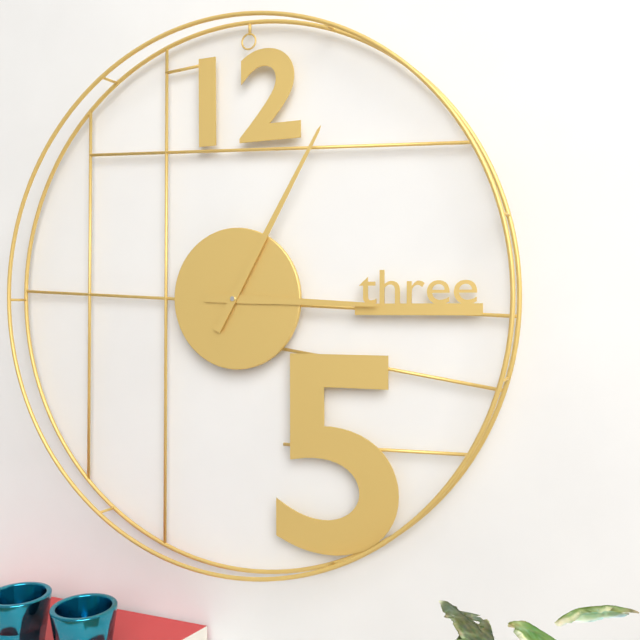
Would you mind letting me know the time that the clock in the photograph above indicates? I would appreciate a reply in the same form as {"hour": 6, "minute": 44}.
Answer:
{"hour": 3, "minute": 5}
